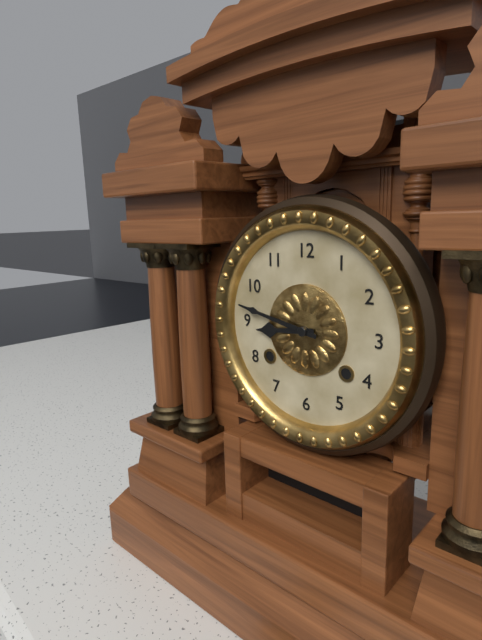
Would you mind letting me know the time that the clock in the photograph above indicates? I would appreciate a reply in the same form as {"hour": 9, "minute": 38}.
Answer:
{"hour": 8, "minute": 47}
